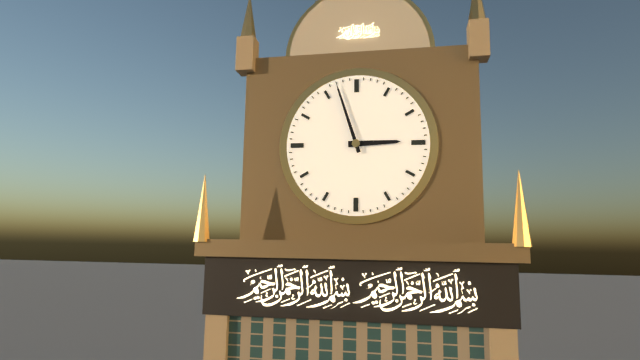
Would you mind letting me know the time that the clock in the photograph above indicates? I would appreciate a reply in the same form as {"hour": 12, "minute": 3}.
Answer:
{"hour": 2, "minute": 57}
